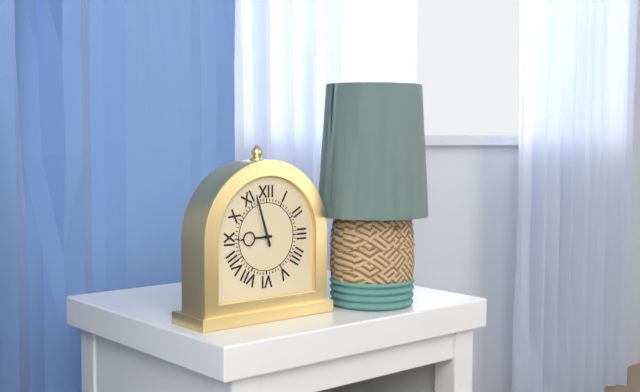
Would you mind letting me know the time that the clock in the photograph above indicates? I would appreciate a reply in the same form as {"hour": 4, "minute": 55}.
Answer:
{"hour": 8, "minute": 57}
